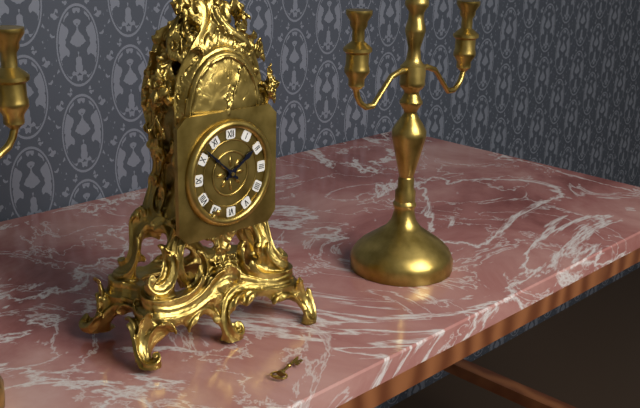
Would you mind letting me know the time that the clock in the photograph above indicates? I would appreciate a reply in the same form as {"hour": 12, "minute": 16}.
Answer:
{"hour": 1, "minute": 52}
